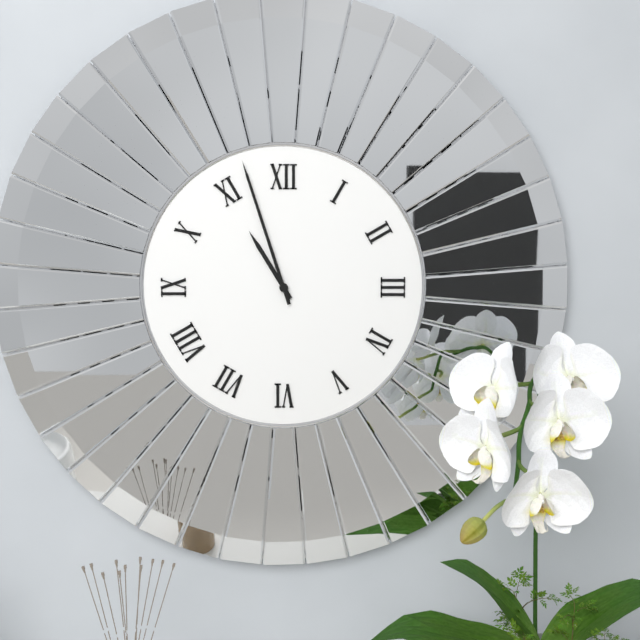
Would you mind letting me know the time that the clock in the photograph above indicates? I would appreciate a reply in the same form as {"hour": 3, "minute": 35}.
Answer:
{"hour": 10, "minute": 57}
